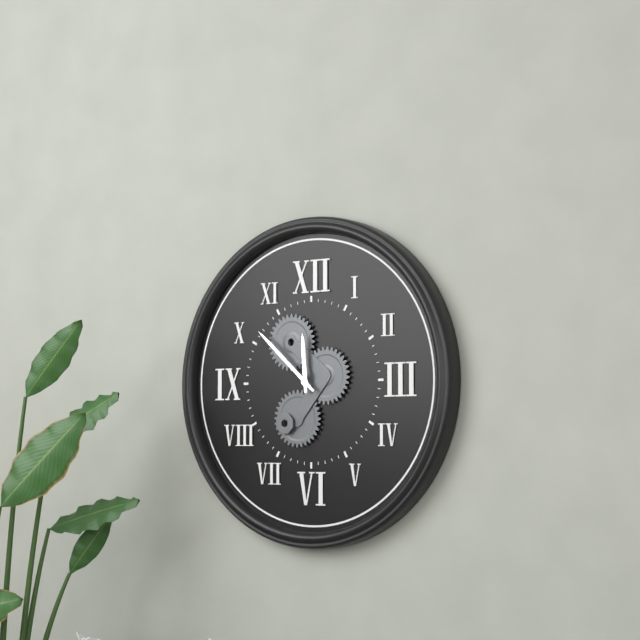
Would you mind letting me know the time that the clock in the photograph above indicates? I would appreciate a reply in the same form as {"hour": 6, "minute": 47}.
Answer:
{"hour": 11, "minute": 52}
